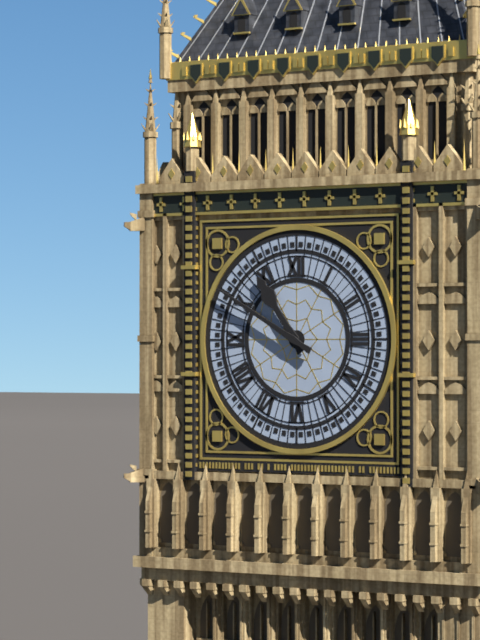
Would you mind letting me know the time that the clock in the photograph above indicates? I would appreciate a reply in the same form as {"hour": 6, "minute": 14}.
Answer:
{"hour": 10, "minute": 50}
